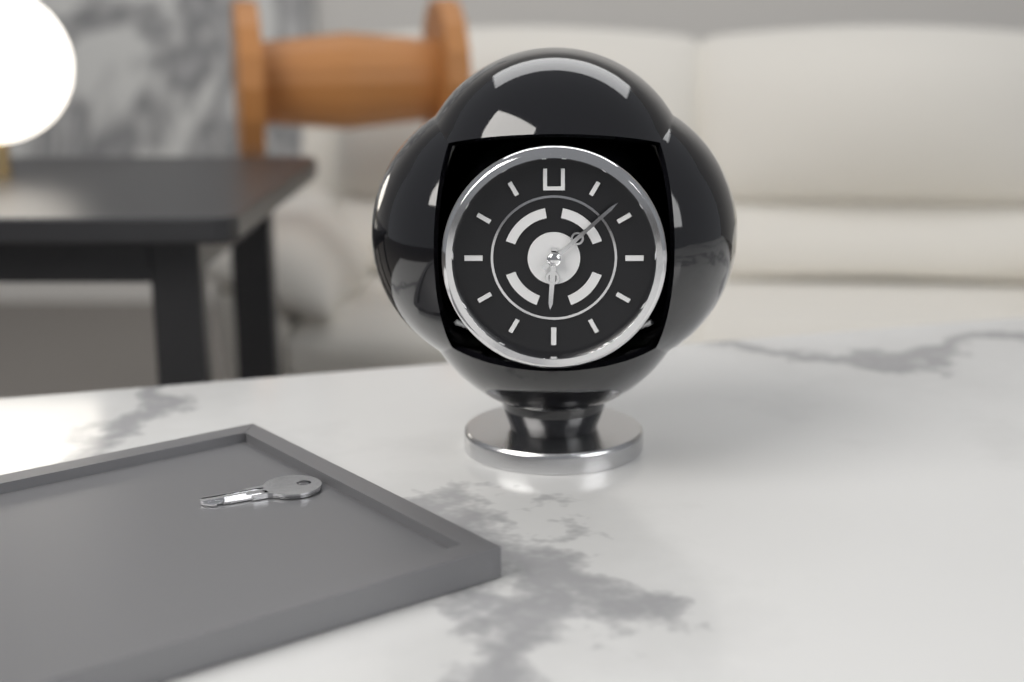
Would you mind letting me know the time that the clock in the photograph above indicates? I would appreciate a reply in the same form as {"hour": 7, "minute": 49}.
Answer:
{"hour": 6, "minute": 8}
